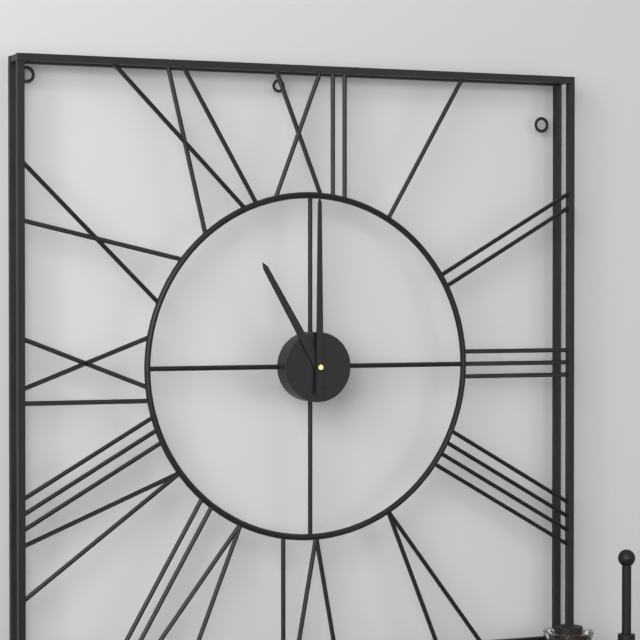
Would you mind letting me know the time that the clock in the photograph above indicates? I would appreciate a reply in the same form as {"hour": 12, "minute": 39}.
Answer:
{"hour": 11, "minute": 0}
